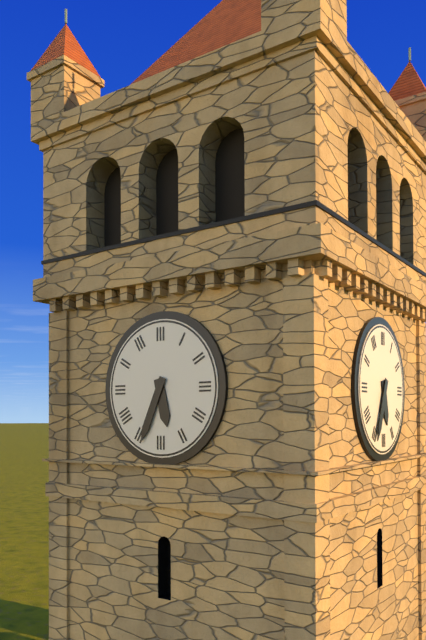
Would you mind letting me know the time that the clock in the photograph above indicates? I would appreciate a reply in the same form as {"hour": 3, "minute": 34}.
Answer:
{"hour": 5, "minute": 34}
